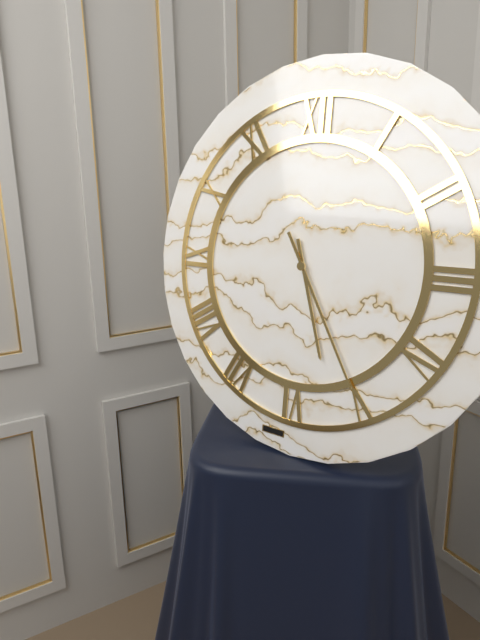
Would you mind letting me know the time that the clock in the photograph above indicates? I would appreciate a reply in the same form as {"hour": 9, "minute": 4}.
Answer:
{"hour": 5, "minute": 25}
